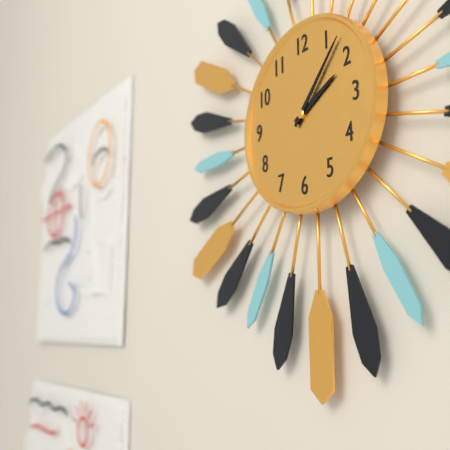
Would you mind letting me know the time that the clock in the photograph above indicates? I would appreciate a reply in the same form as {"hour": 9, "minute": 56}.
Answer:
{"hour": 2, "minute": 7}
